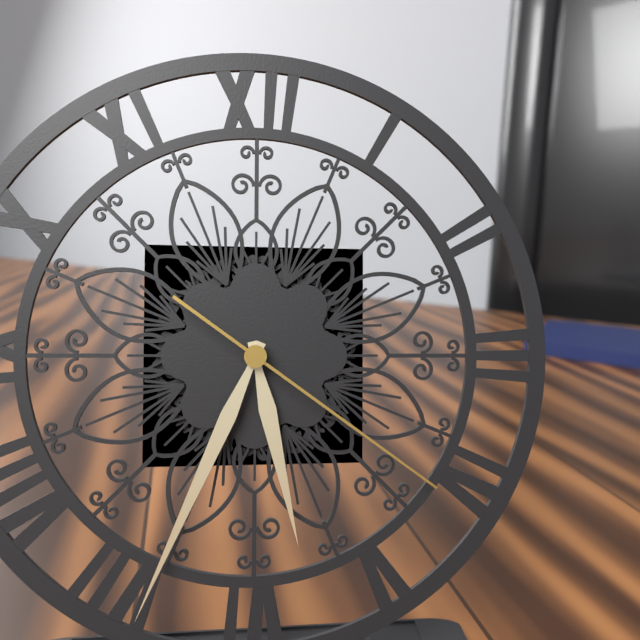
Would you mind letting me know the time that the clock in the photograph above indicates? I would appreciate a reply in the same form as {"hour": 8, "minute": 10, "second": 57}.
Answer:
{"hour": 5, "minute": 34, "second": 21}
